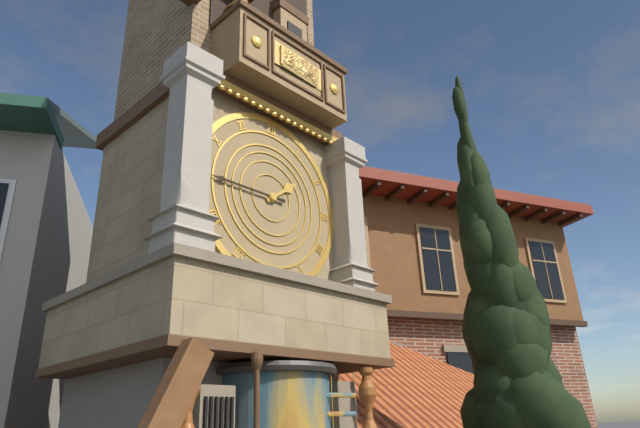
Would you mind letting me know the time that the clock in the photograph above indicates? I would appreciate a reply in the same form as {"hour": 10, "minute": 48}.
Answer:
{"hour": 1, "minute": 45}
